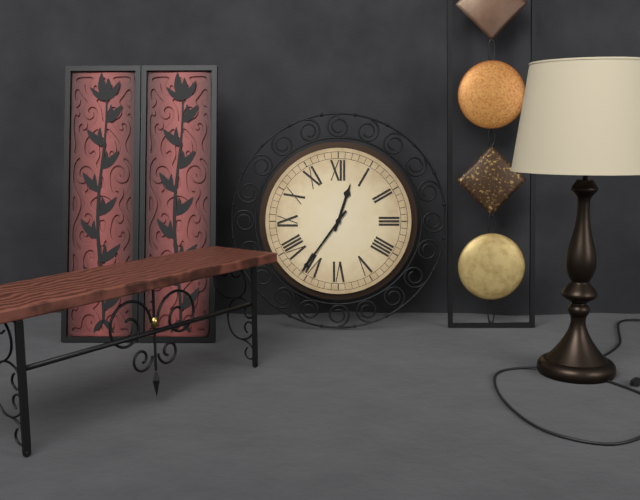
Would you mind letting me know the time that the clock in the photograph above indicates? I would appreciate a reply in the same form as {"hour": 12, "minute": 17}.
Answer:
{"hour": 12, "minute": 36}
